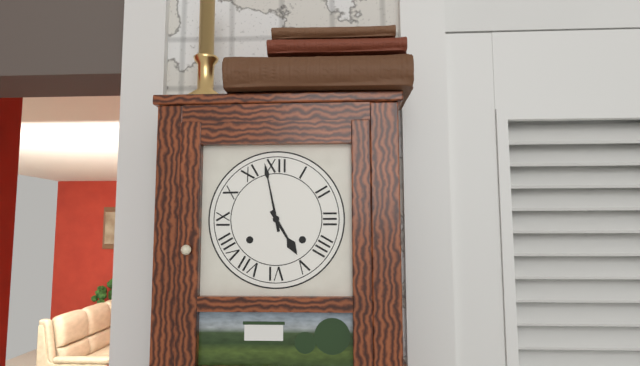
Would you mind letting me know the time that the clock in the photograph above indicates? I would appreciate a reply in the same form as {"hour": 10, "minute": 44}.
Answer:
{"hour": 4, "minute": 58}
